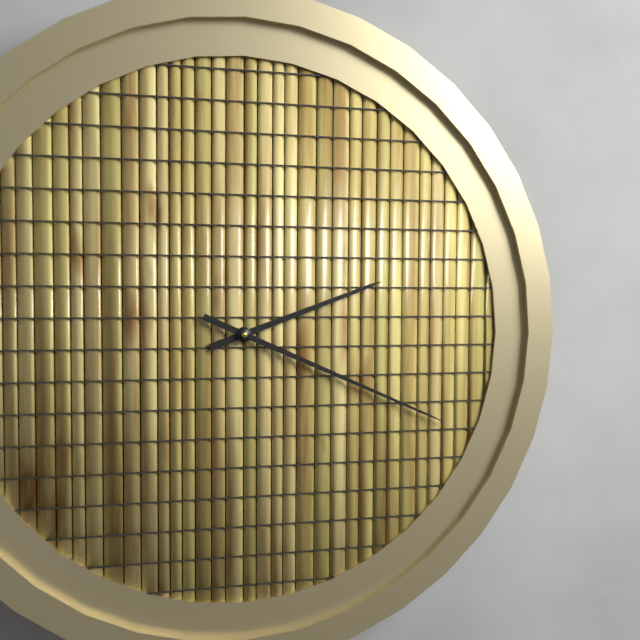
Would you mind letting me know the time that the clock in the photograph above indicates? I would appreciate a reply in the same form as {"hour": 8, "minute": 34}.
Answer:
{"hour": 2, "minute": 19}
